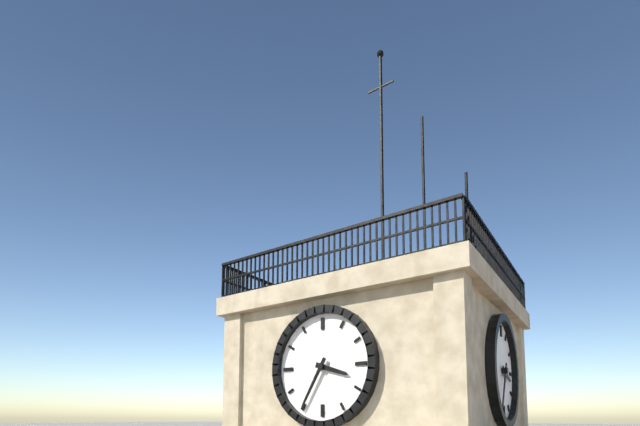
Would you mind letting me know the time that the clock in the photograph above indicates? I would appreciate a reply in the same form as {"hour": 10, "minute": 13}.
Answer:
{"hour": 3, "minute": 35}
